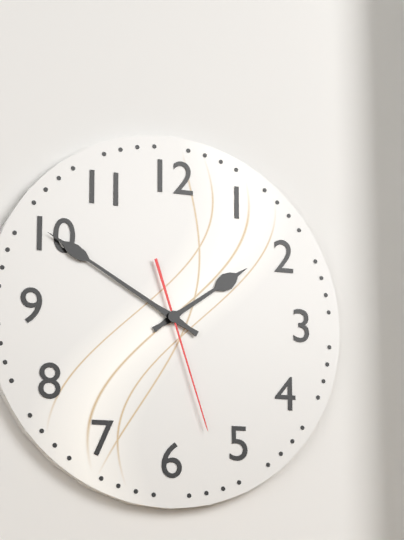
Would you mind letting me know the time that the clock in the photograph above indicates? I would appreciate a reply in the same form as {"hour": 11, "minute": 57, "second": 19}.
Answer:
{"hour": 1, "minute": 50, "second": 27}
